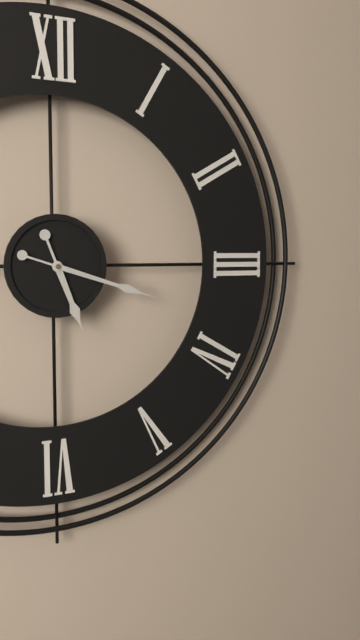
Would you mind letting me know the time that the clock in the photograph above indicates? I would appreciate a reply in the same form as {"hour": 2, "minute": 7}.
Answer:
{"hour": 5, "minute": 18}
